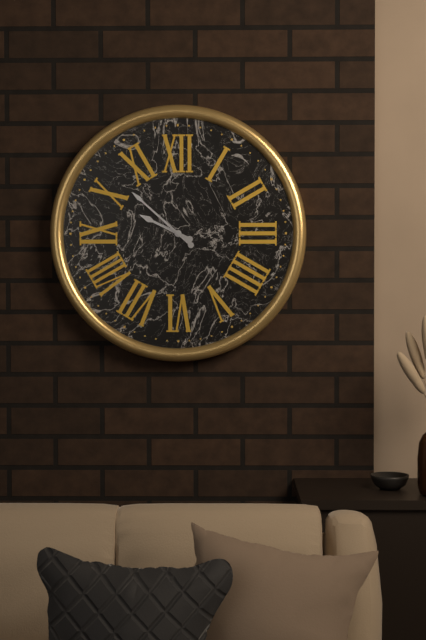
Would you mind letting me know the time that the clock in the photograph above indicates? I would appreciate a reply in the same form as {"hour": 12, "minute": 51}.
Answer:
{"hour": 9, "minute": 52}
